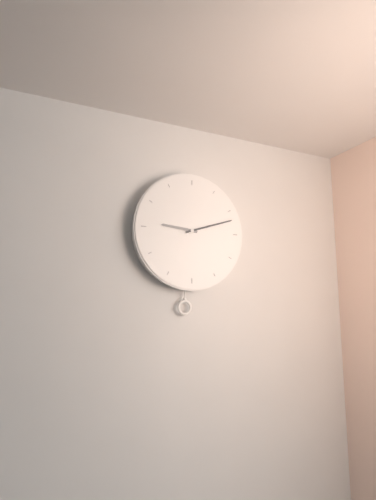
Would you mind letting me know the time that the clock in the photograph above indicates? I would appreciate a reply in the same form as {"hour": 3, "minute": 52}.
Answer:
{"hour": 9, "minute": 12}
